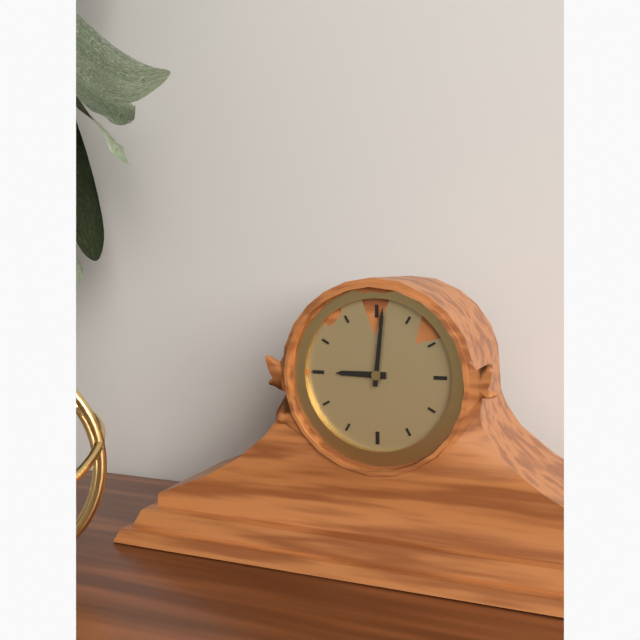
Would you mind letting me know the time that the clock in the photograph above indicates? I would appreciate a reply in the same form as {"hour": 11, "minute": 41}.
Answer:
{"hour": 9, "minute": 1}
